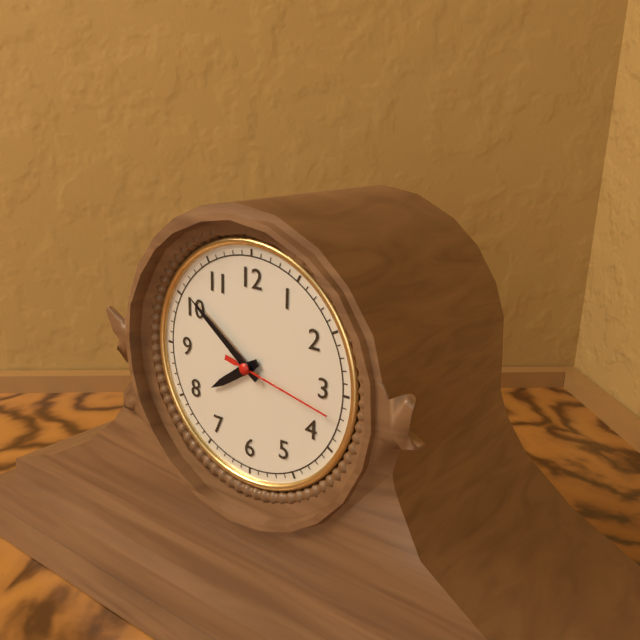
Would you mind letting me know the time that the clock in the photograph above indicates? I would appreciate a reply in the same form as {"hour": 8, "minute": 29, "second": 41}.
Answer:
{"hour": 7, "minute": 51, "second": 17}
